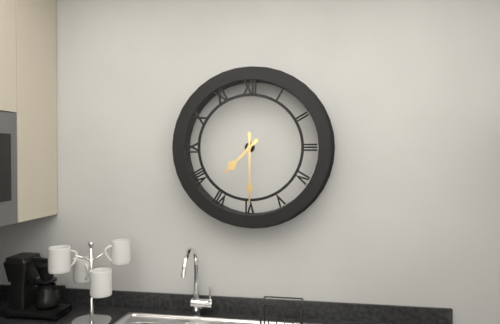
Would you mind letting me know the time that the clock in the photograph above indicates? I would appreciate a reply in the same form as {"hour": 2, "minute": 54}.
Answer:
{"hour": 7, "minute": 30}
